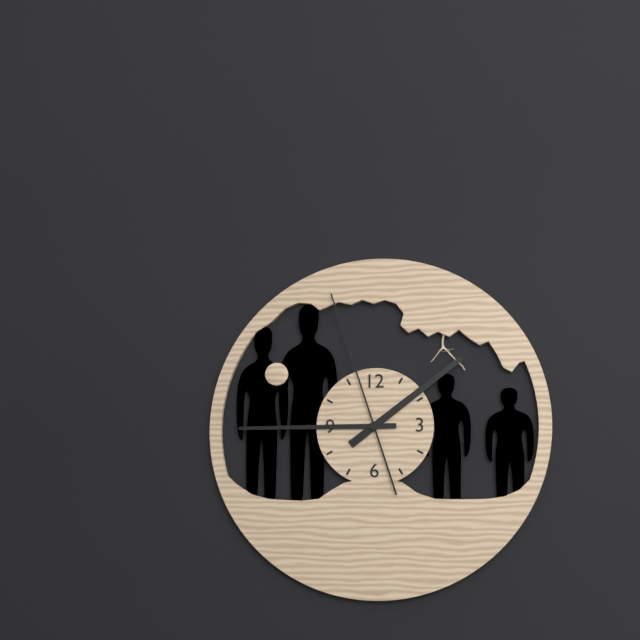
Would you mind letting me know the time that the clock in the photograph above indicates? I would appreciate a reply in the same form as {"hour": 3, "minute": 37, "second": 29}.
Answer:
{"hour": 1, "minute": 45, "second": 57}
